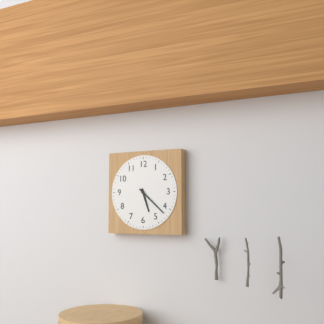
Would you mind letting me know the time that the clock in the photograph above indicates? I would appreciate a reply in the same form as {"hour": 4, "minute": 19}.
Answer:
{"hour": 5, "minute": 22}
